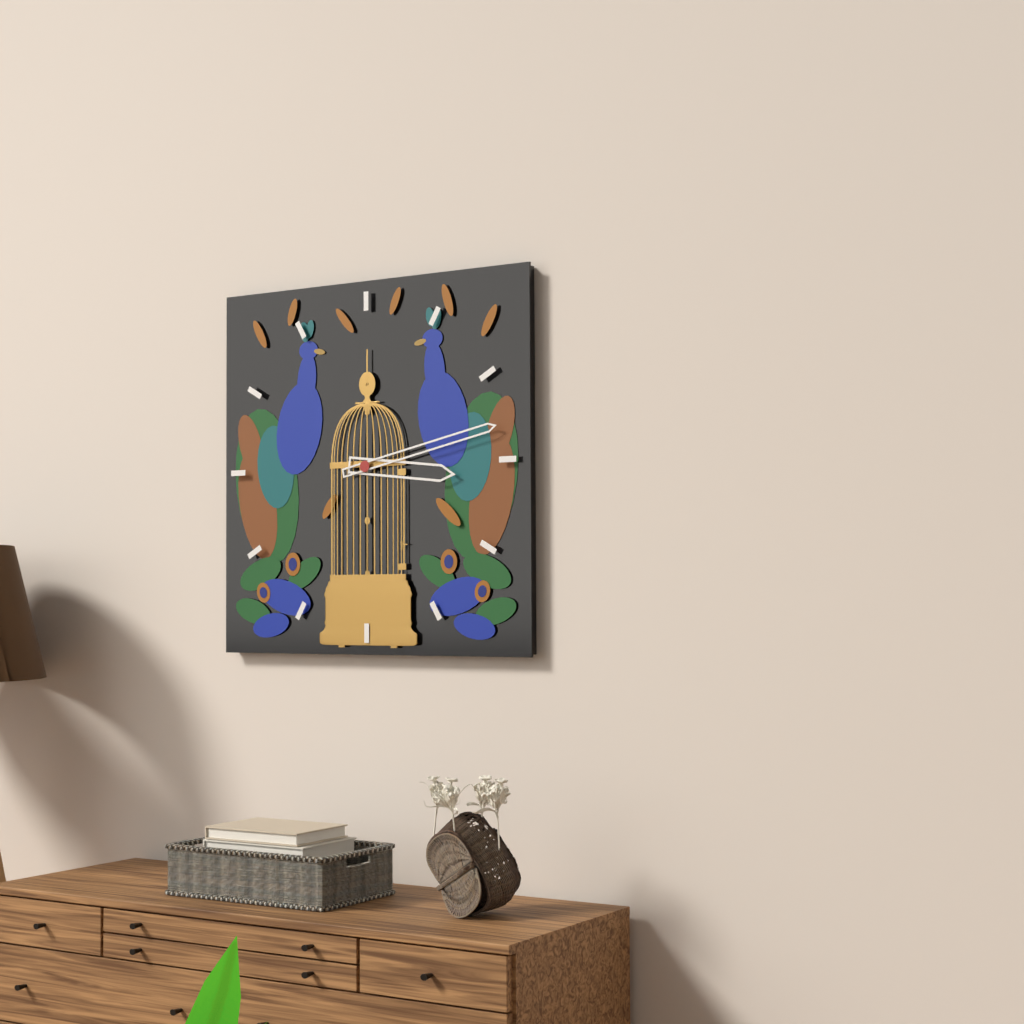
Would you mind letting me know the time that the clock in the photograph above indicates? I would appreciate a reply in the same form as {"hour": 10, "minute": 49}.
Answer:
{"hour": 3, "minute": 13}
